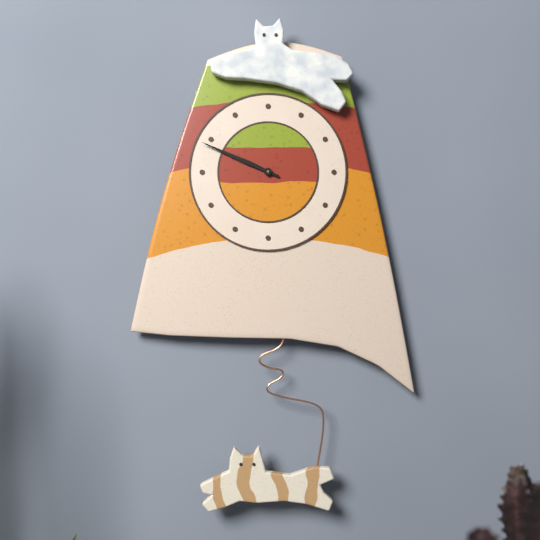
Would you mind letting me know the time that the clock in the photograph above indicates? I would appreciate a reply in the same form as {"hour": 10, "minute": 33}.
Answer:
{"hour": 9, "minute": 49}
